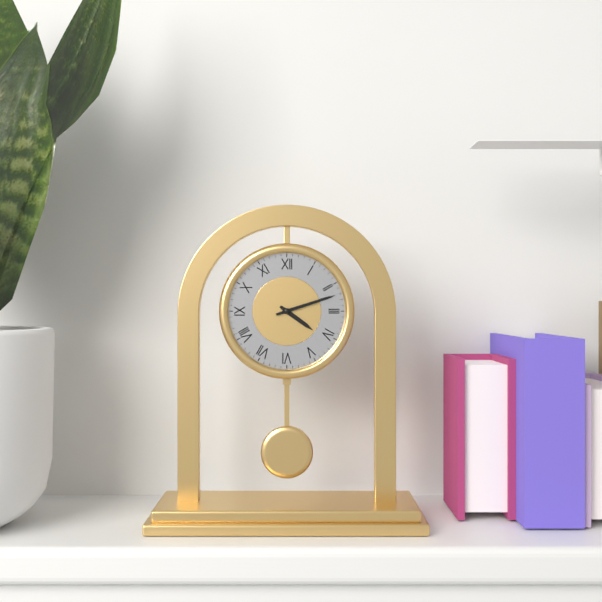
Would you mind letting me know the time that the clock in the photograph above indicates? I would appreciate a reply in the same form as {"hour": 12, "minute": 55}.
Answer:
{"hour": 4, "minute": 12}
